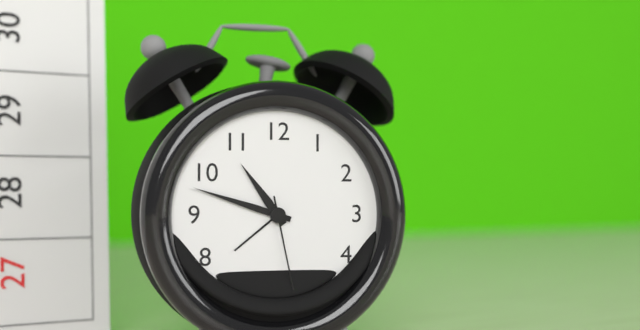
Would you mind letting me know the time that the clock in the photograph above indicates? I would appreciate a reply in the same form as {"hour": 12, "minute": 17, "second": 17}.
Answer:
{"hour": 10, "minute": 48, "second": 28}
